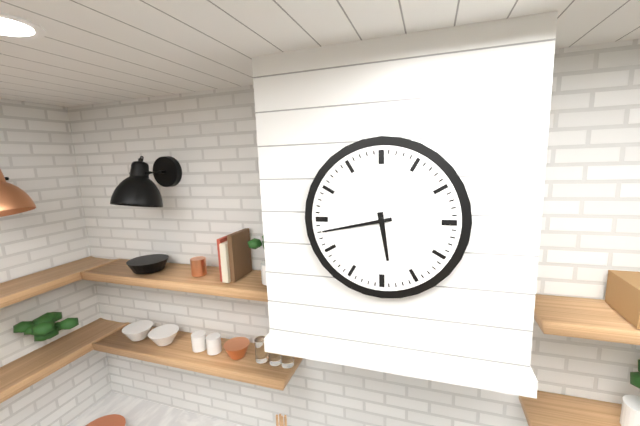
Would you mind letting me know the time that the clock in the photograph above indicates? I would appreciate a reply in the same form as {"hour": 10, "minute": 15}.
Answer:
{"hour": 5, "minute": 43}
